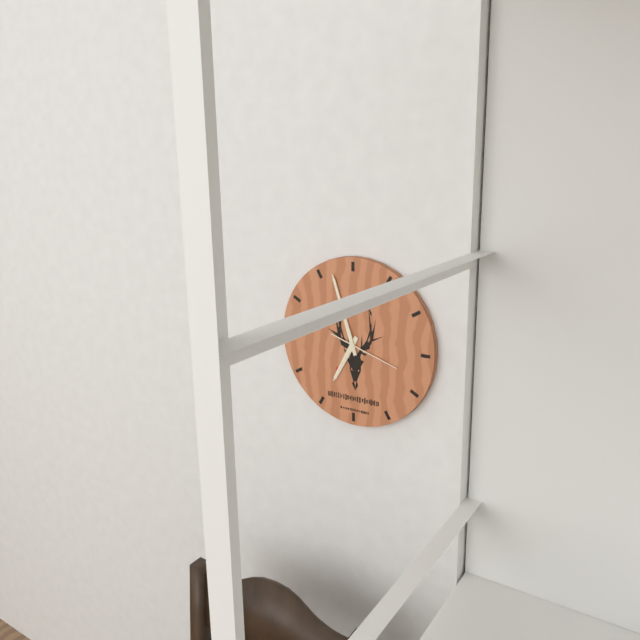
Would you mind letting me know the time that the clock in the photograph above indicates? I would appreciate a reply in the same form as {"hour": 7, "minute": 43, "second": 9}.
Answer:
{"hour": 6, "minute": 57, "second": 18}
